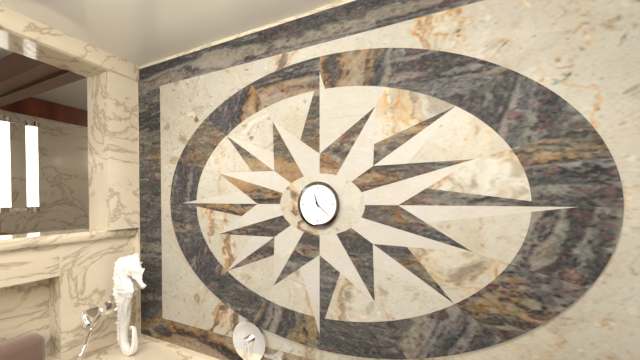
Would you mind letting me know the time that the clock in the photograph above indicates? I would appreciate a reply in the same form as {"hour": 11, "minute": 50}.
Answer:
{"hour": 11, "minute": 22}
